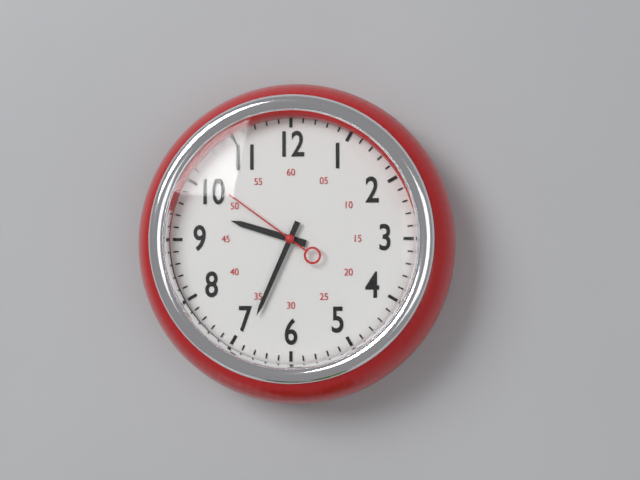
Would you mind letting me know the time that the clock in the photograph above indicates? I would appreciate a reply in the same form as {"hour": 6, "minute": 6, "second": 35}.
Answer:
{"hour": 9, "minute": 34, "second": 51}
